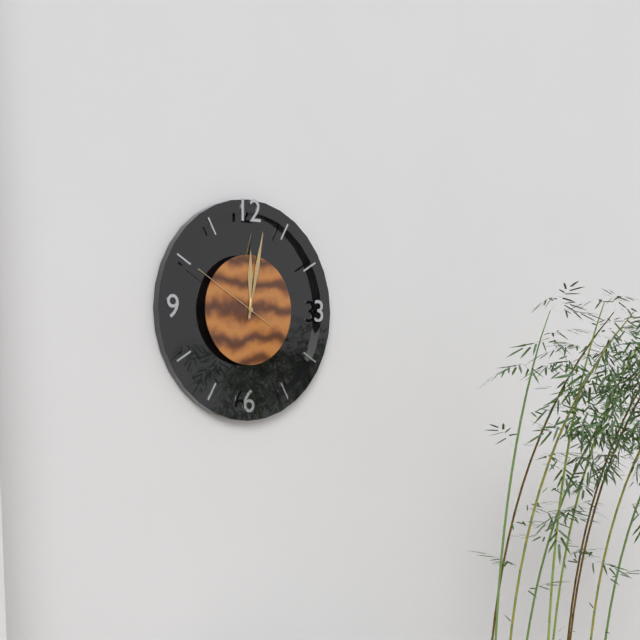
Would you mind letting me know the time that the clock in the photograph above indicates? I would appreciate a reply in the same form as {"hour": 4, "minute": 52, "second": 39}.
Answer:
{"hour": 12, "minute": 2, "second": 50}
